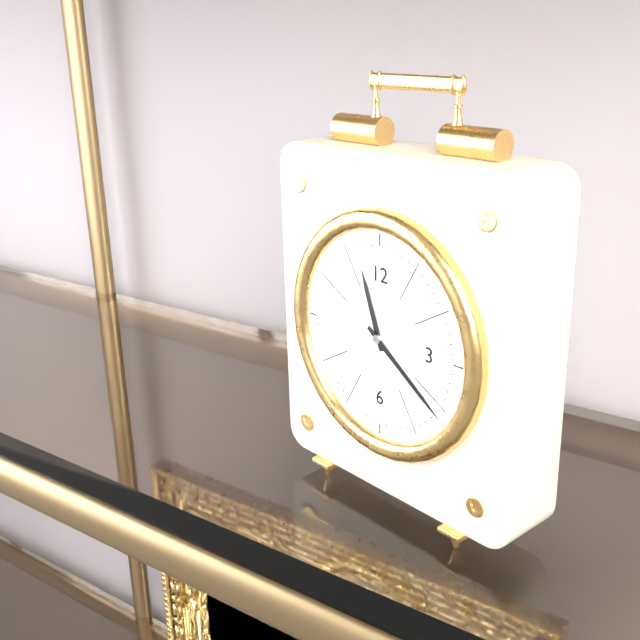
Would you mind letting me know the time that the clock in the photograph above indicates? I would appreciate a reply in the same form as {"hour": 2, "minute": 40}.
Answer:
{"hour": 11, "minute": 21}
